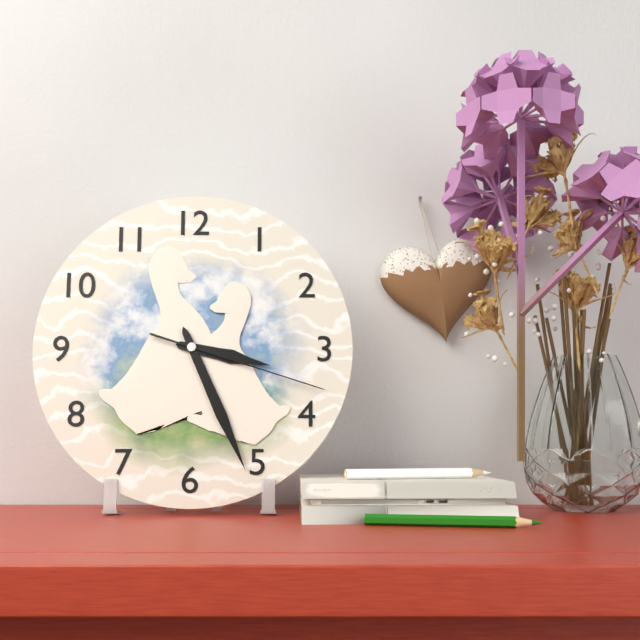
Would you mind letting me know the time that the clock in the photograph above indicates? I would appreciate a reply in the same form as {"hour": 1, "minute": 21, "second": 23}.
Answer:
{"hour": 3, "minute": 26, "second": 18}
